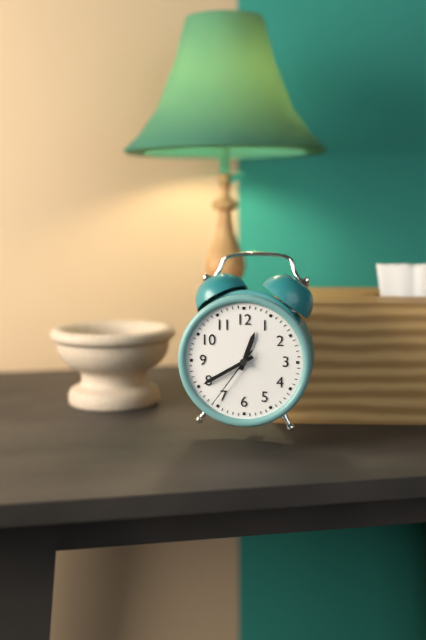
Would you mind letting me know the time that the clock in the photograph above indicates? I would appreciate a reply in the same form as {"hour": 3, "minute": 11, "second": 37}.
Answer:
{"hour": 12, "minute": 40, "second": 36}
